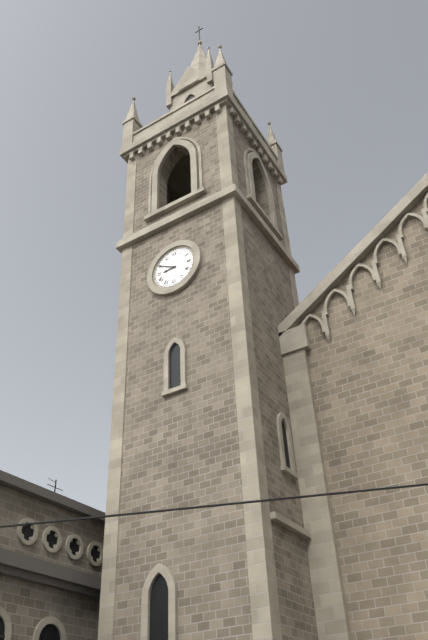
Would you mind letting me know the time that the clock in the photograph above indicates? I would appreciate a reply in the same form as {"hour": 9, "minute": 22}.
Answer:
{"hour": 8, "minute": 50}
